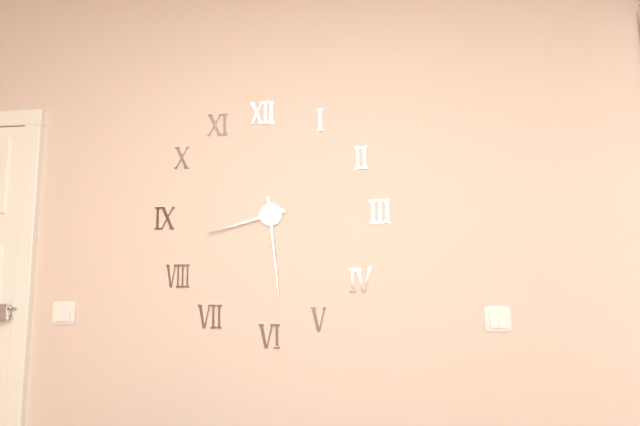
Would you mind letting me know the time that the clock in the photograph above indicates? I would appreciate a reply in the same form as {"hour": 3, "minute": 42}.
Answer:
{"hour": 8, "minute": 29}
